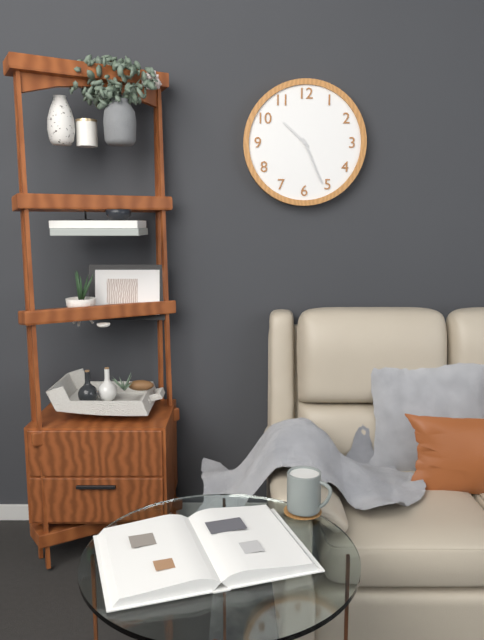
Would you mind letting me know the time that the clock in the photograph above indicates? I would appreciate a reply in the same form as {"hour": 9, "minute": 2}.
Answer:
{"hour": 10, "minute": 26}
